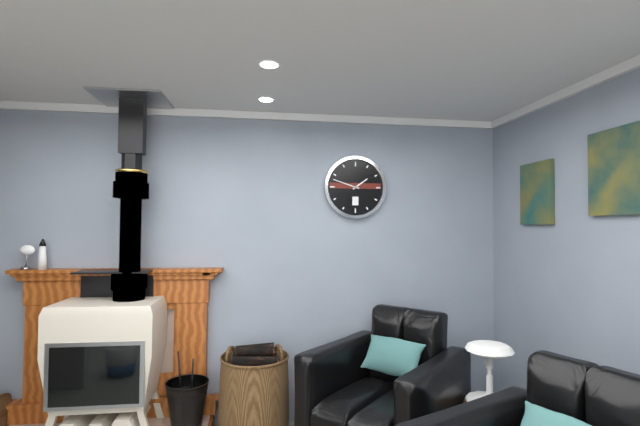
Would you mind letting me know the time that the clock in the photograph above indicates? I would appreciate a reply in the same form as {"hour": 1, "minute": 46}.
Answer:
{"hour": 1, "minute": 48}
